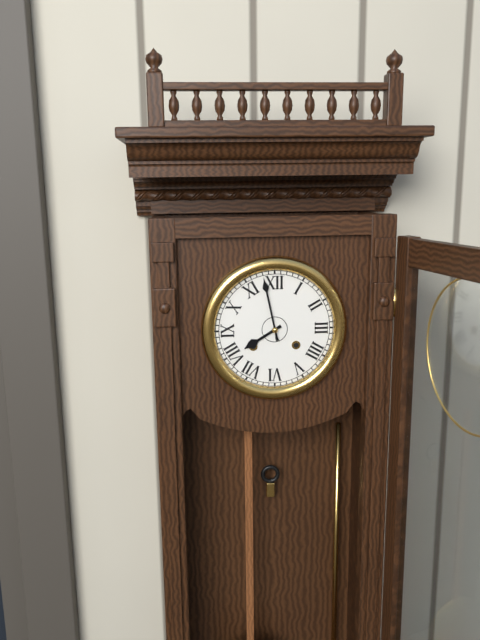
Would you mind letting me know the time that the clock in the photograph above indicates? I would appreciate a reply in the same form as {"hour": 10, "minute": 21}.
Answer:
{"hour": 7, "minute": 58}
